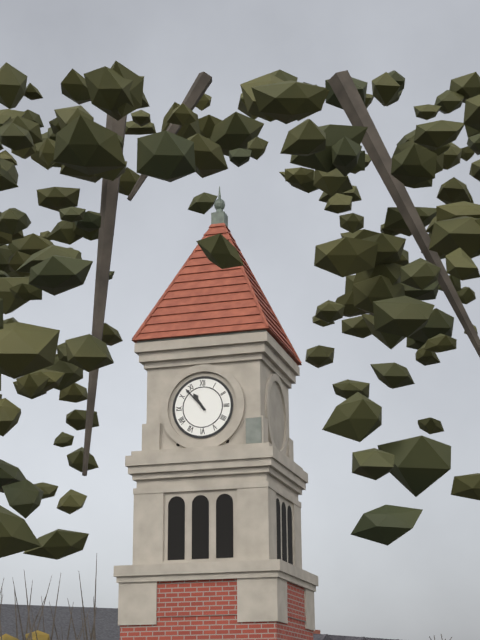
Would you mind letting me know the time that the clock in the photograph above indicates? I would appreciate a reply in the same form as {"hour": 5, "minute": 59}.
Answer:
{"hour": 10, "minute": 53}
